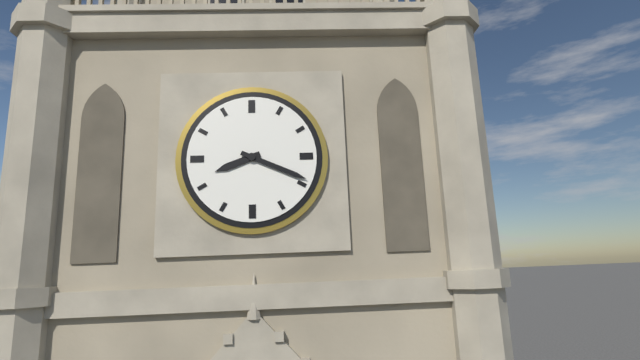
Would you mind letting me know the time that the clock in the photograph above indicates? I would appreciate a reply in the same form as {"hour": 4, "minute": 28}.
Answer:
{"hour": 8, "minute": 19}
